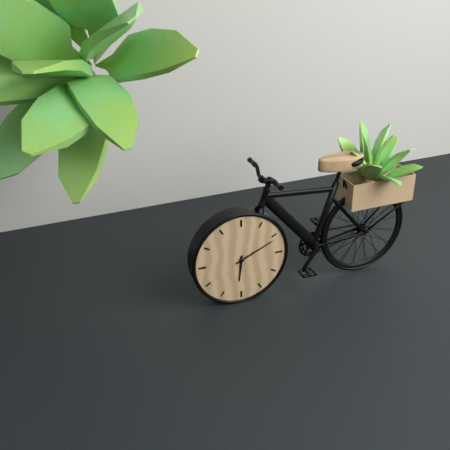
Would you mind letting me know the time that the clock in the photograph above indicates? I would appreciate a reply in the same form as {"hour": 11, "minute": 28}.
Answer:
{"hour": 6, "minute": 11}
